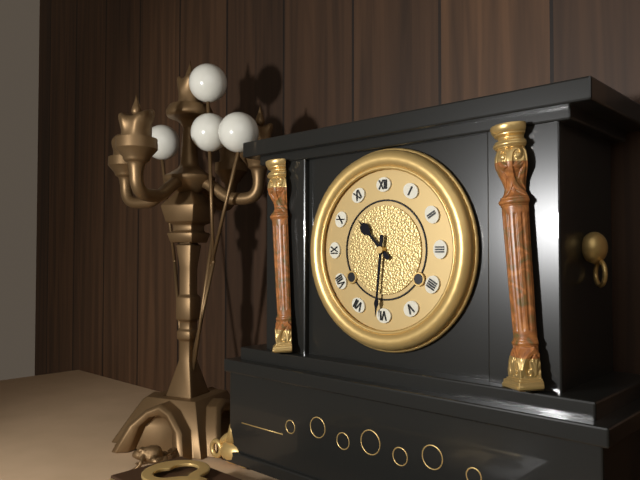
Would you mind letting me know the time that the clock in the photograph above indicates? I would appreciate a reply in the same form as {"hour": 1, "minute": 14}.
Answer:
{"hour": 10, "minute": 31}
